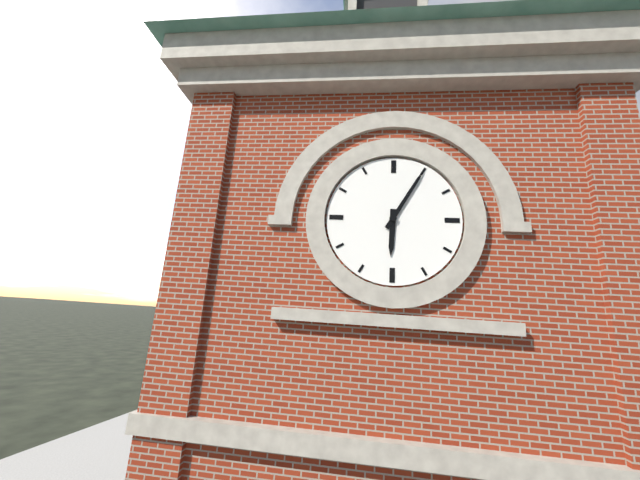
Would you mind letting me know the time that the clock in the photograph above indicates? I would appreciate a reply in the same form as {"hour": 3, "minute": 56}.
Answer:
{"hour": 6, "minute": 5}
